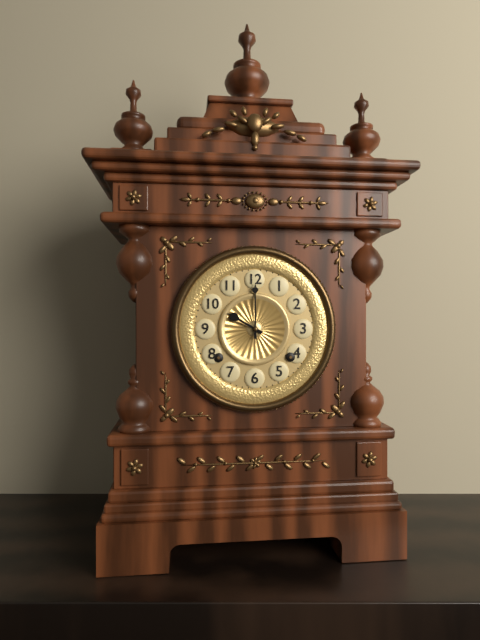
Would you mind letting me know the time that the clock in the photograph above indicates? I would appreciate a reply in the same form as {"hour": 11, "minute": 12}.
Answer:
{"hour": 10, "minute": 0}
